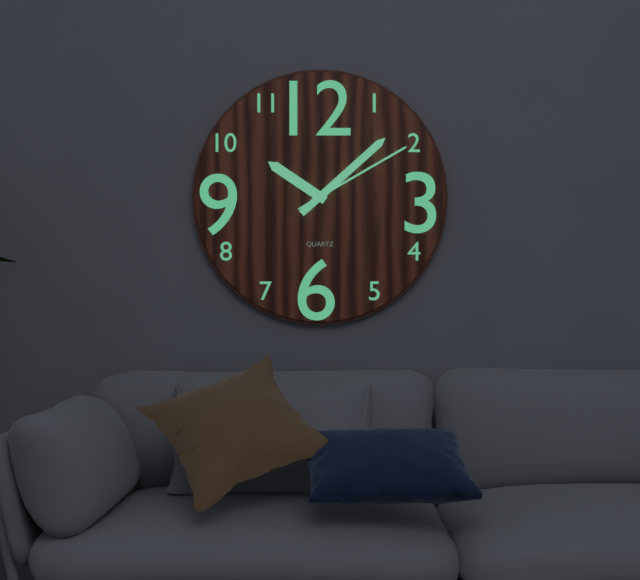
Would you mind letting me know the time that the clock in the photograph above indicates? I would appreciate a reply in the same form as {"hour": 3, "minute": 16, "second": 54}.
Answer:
{"hour": 10, "minute": 8, "second": 10}
